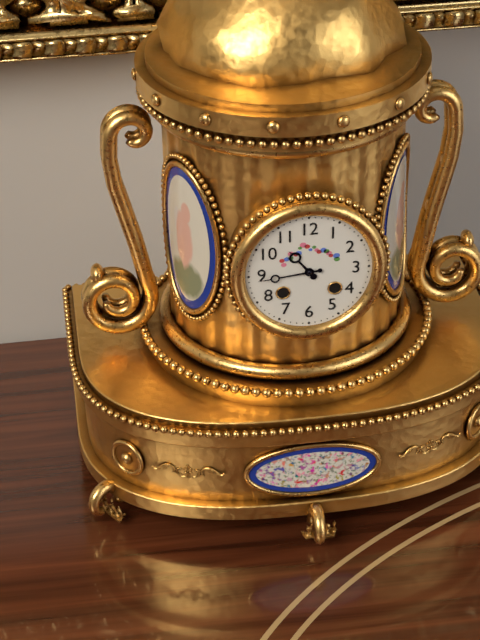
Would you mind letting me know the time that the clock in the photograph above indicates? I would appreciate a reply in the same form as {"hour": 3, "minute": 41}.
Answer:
{"hour": 10, "minute": 44}
